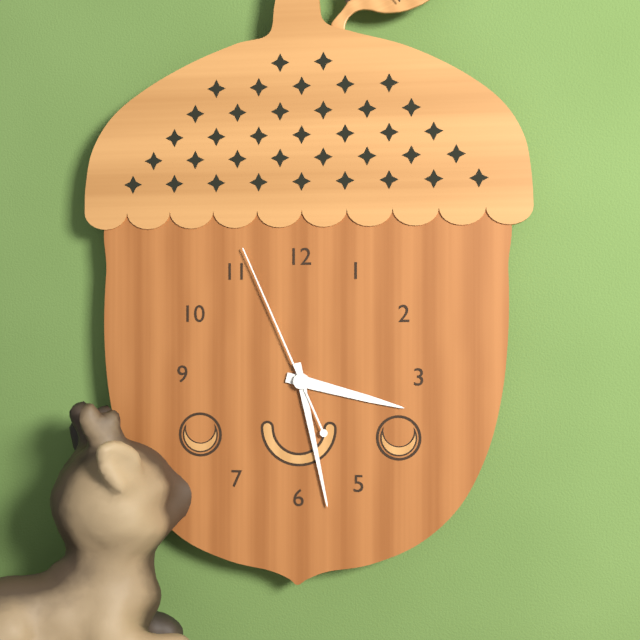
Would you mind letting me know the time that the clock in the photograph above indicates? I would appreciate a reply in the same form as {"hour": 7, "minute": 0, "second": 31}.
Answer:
{"hour": 3, "minute": 28, "second": 56}
